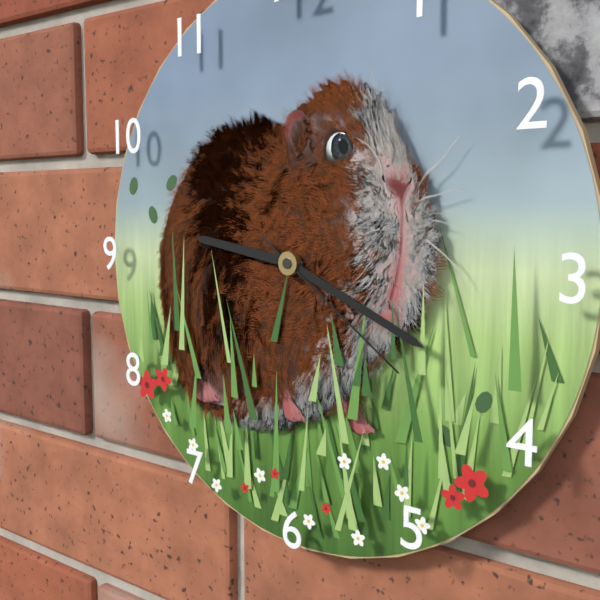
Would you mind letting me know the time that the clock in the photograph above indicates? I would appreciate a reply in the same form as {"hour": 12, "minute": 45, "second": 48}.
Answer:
{"hour": 9, "minute": 19, "second": 21}
